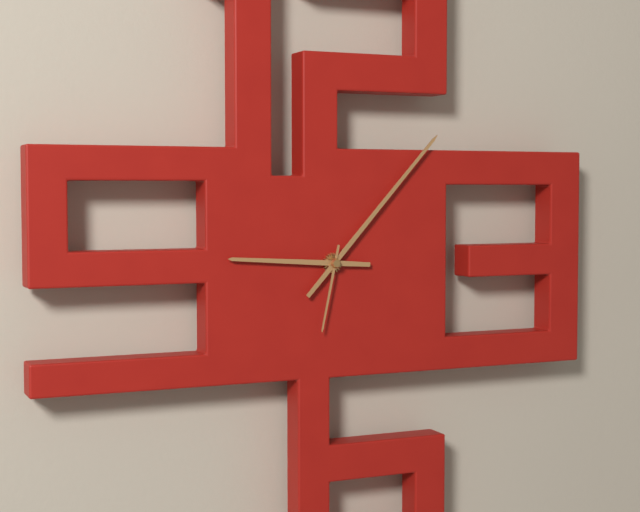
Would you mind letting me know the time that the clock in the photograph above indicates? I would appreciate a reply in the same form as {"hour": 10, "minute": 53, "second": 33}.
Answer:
{"hour": 9, "minute": 7, "second": 32}
